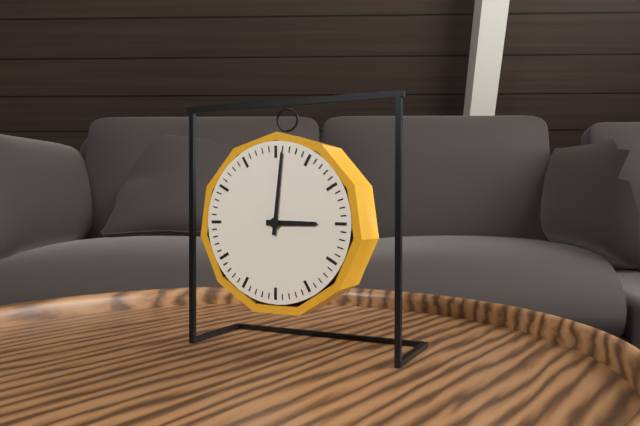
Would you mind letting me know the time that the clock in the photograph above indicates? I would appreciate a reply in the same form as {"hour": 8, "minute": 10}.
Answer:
{"hour": 3, "minute": 1}
